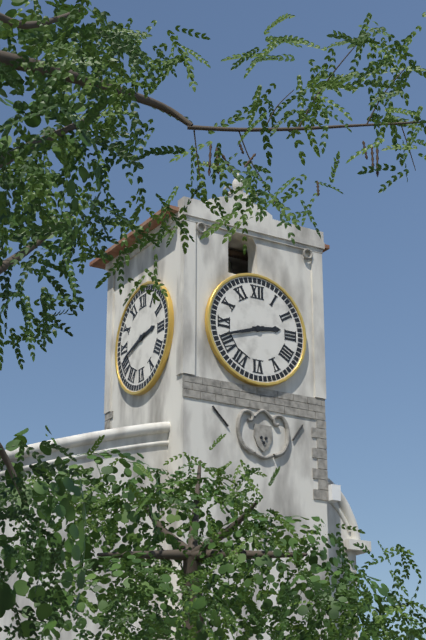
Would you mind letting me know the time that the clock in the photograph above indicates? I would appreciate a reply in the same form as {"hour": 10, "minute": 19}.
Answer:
{"hour": 2, "minute": 42}
